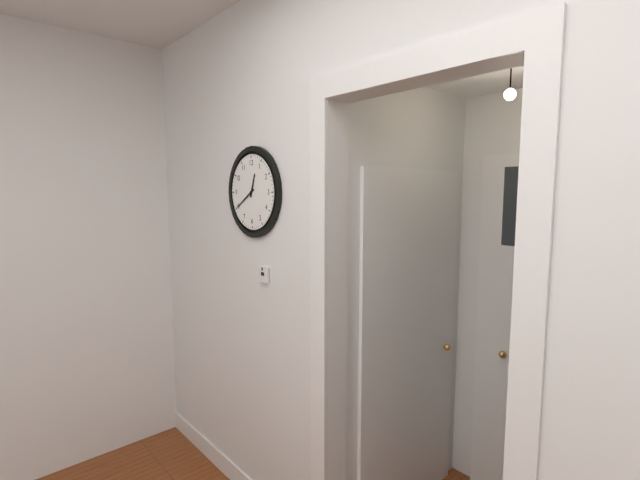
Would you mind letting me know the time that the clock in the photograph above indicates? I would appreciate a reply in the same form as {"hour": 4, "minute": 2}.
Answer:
{"hour": 12, "minute": 40}
